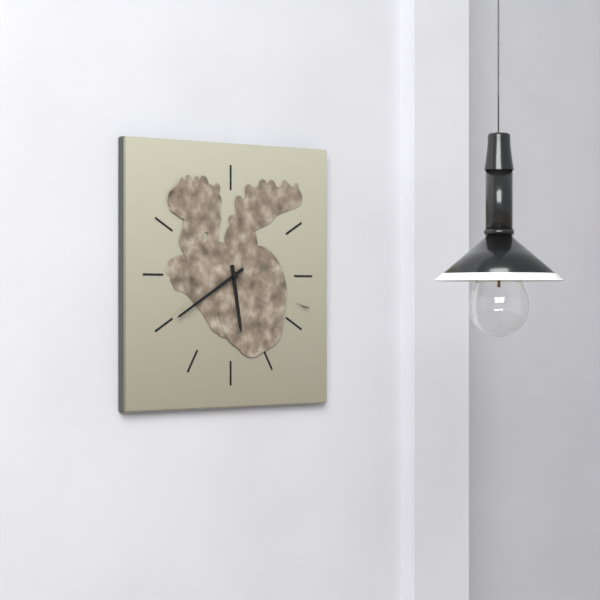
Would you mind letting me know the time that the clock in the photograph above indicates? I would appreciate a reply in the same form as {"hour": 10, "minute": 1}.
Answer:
{"hour": 5, "minute": 40}
